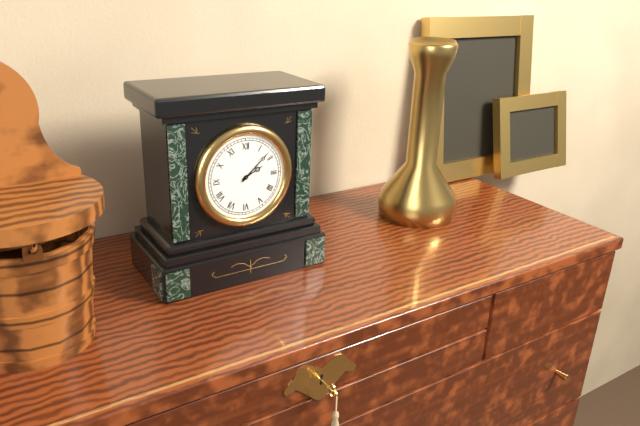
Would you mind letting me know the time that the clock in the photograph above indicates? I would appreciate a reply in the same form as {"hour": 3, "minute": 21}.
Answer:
{"hour": 2, "minute": 8}
